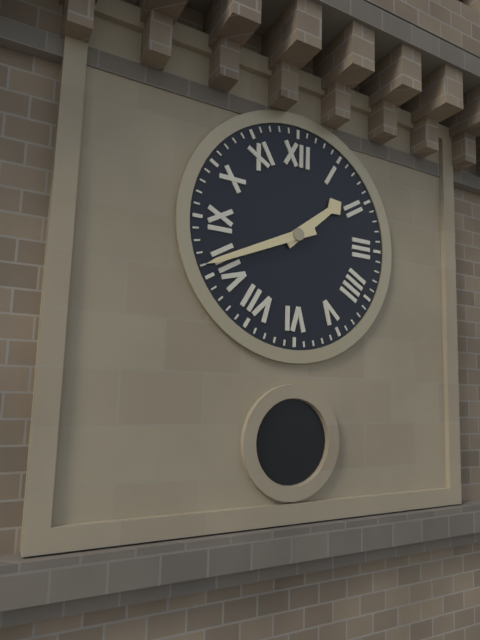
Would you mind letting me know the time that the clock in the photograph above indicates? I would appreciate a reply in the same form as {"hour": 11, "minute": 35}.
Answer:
{"hour": 1, "minute": 41}
